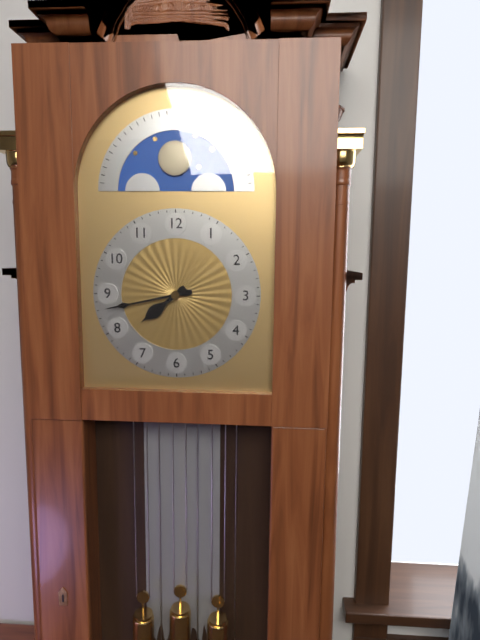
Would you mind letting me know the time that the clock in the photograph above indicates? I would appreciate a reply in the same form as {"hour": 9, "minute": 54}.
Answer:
{"hour": 7, "minute": 43}
